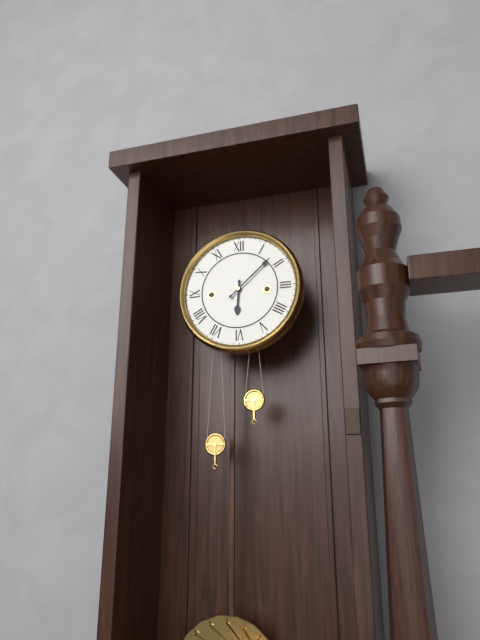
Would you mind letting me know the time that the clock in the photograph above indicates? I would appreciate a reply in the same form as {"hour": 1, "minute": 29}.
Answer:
{"hour": 6, "minute": 8}
